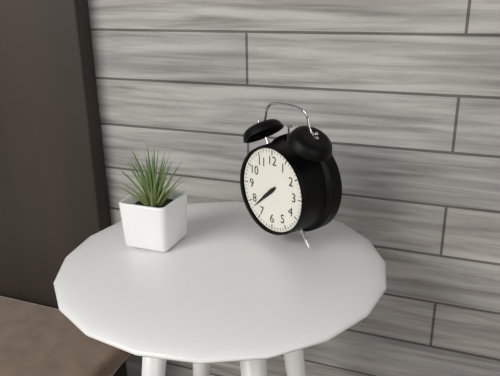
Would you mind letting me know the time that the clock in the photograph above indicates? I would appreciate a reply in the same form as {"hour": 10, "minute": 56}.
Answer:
{"hour": 7, "minute": 38}
